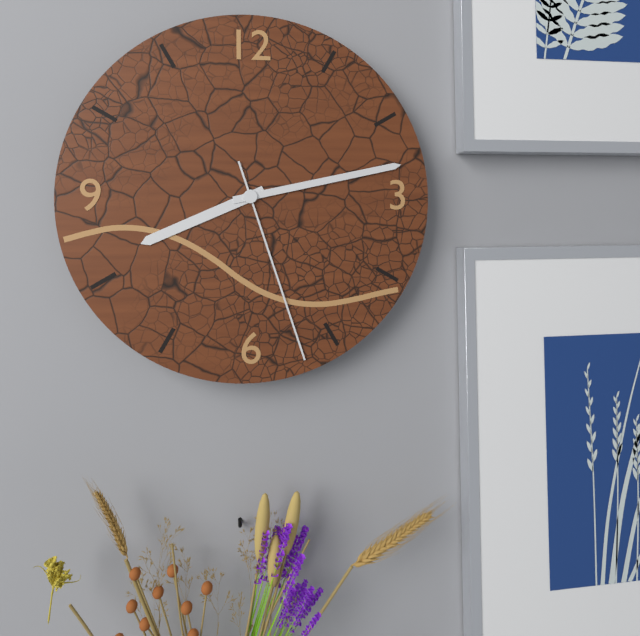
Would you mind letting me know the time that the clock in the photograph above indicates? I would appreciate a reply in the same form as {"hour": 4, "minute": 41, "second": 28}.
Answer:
{"hour": 8, "minute": 13, "second": 27}
